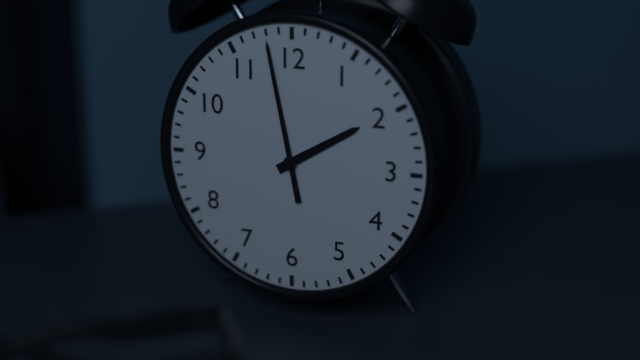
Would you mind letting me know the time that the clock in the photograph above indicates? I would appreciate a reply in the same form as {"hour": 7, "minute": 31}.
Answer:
{"hour": 1, "minute": 58}
